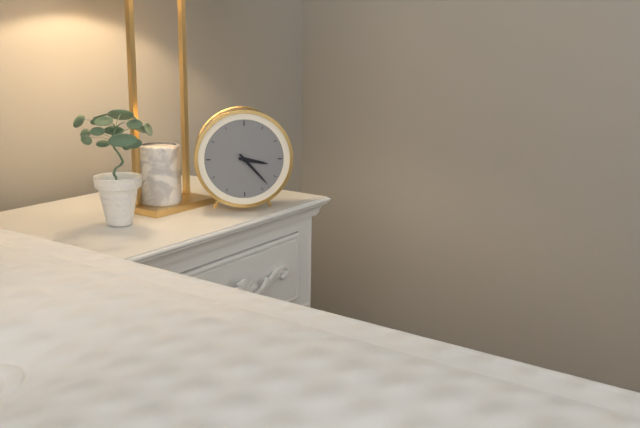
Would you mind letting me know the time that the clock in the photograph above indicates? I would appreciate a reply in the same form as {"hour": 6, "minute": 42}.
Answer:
{"hour": 3, "minute": 23}
